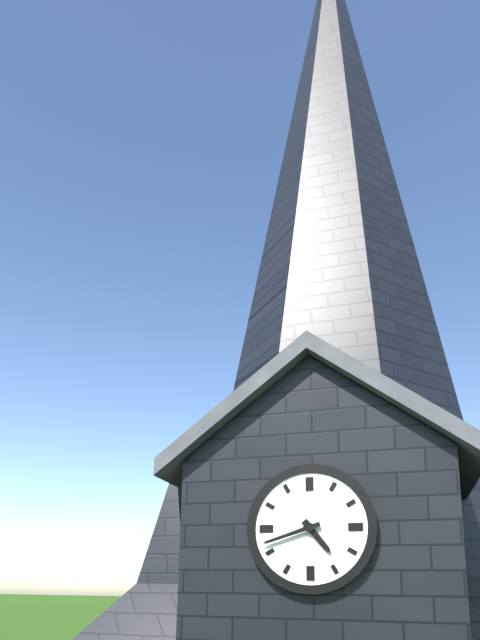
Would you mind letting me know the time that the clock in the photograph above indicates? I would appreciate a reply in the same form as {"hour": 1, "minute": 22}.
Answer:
{"hour": 4, "minute": 42}
